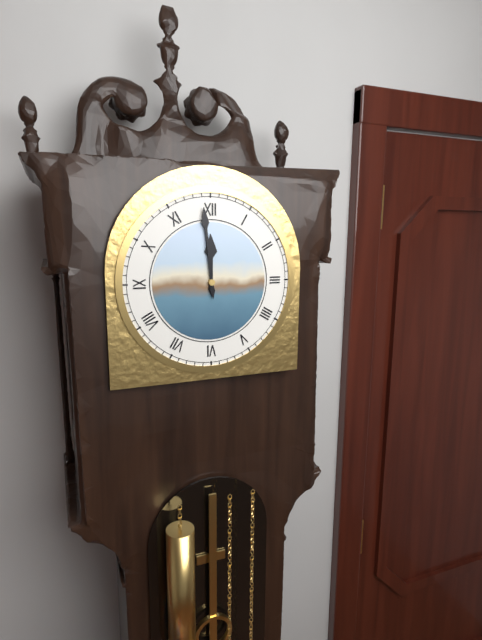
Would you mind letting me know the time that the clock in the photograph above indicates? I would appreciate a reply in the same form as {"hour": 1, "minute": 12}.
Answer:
{"hour": 11, "minute": 59}
